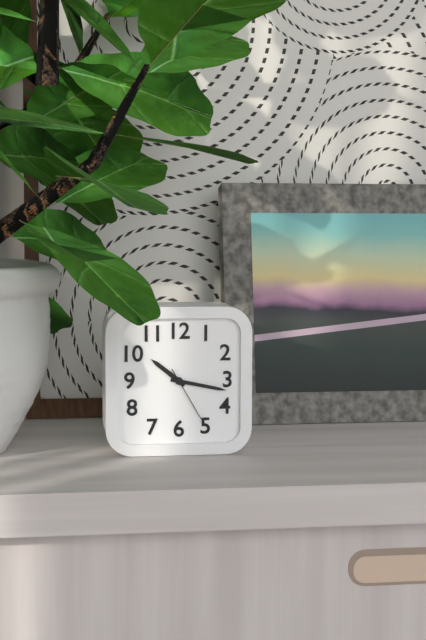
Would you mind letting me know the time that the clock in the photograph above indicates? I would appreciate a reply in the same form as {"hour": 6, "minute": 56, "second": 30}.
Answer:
{"hour": 10, "minute": 17, "second": 25}
